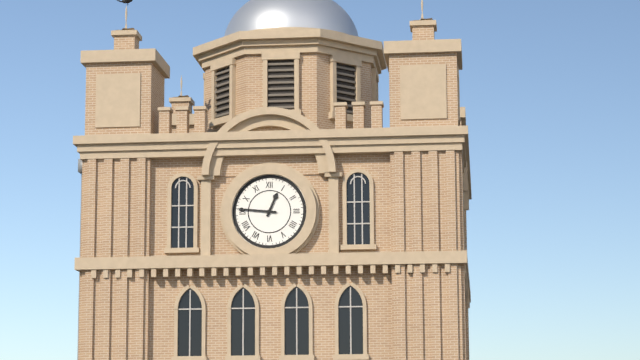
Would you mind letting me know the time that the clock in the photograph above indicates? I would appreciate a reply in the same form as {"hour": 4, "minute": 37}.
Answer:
{"hour": 12, "minute": 46}
